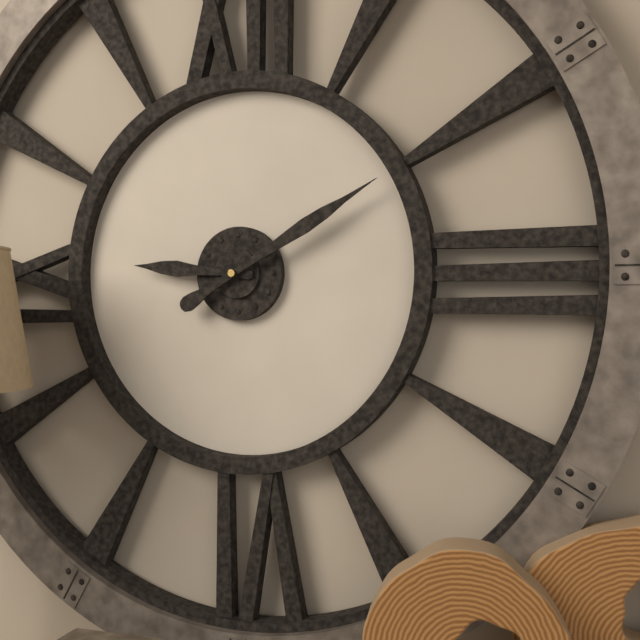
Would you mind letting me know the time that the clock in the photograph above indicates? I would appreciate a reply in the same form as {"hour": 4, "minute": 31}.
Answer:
{"hour": 9, "minute": 10}
